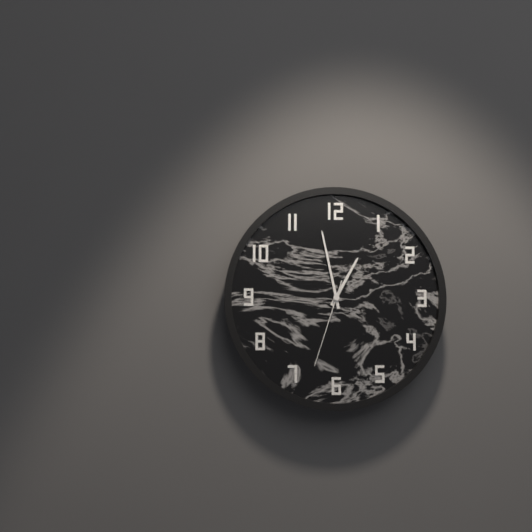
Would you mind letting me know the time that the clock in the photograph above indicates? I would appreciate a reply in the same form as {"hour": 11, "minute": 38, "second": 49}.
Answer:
{"hour": 12, "minute": 58, "second": 33}
